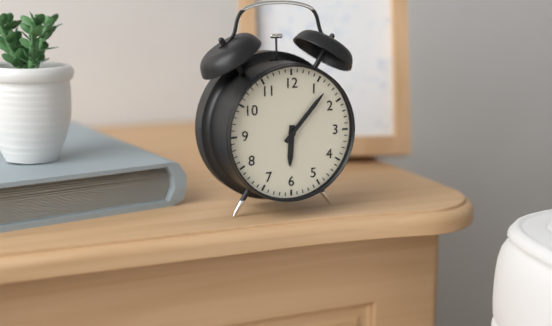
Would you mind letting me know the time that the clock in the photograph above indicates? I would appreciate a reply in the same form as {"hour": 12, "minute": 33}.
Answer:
{"hour": 6, "minute": 7}
